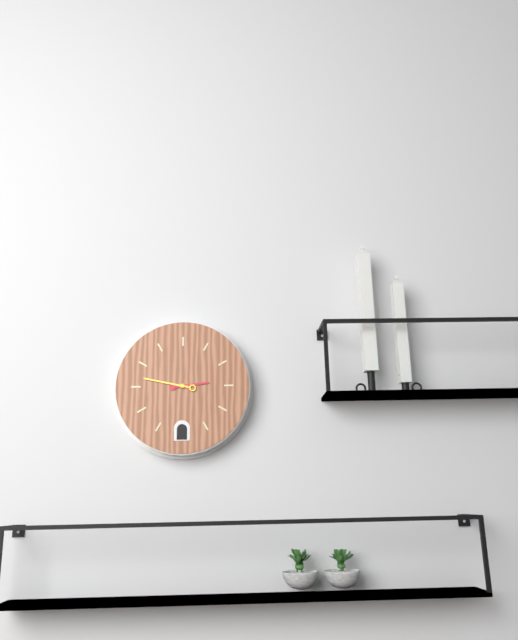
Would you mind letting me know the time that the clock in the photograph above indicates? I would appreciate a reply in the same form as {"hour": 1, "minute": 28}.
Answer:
{"hour": 2, "minute": 47}
